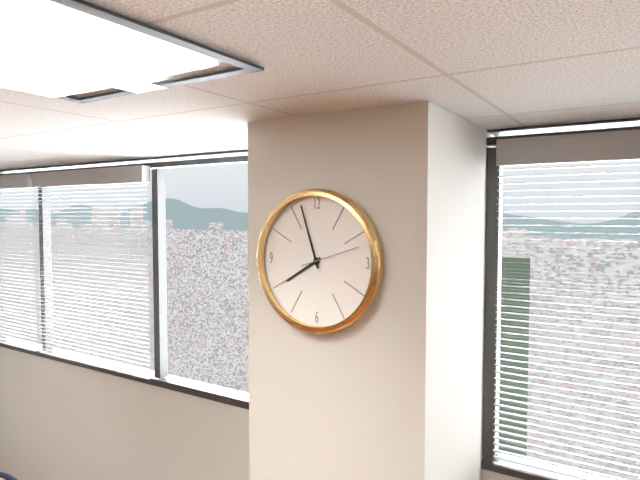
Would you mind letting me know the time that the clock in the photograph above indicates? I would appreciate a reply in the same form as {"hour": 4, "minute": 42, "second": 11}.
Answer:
{"hour": 7, "minute": 57, "second": 12}
